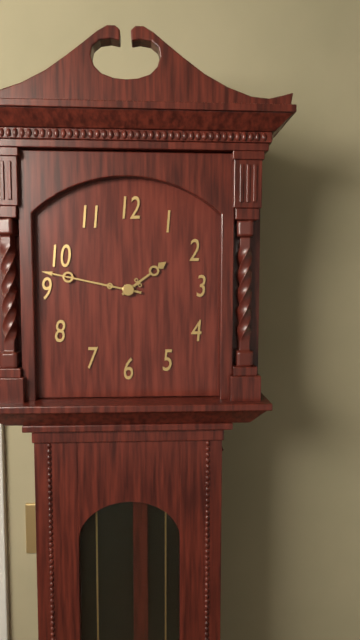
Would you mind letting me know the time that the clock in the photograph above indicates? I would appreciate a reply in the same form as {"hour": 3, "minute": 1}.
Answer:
{"hour": 1, "minute": 47}
